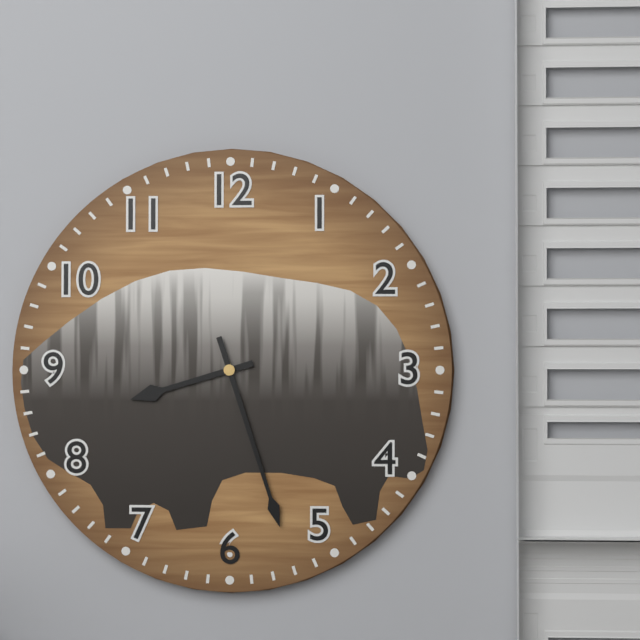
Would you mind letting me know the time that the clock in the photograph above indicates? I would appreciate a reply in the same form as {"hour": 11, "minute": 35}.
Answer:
{"hour": 8, "minute": 27}
